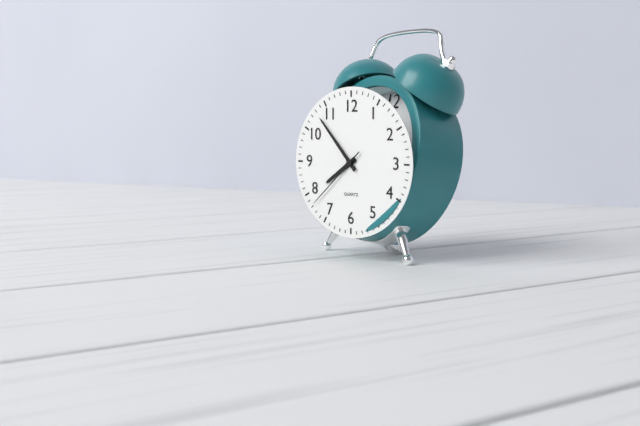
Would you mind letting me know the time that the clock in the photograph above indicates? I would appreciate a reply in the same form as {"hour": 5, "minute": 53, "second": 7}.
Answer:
{"hour": 7, "minute": 53, "second": 38}
